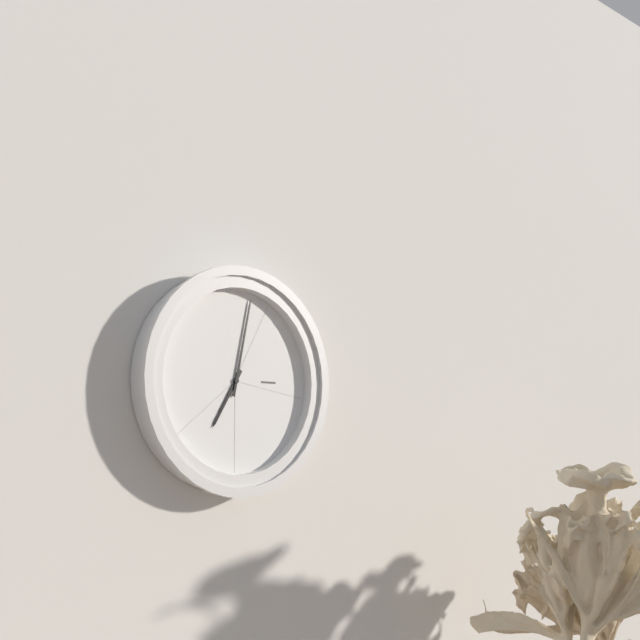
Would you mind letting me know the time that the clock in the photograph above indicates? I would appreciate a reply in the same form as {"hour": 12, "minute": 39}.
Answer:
{"hour": 7, "minute": 2}
